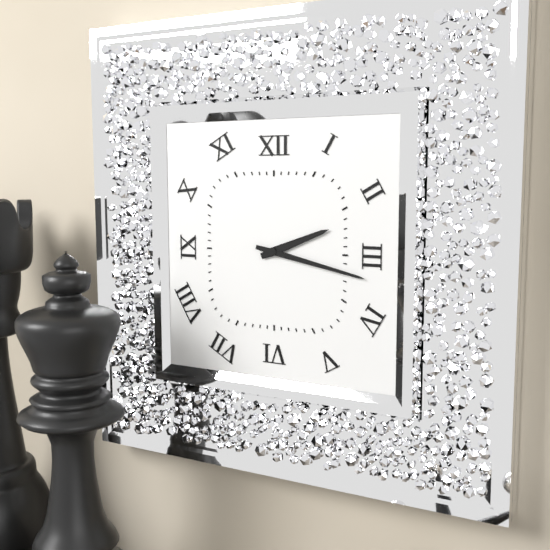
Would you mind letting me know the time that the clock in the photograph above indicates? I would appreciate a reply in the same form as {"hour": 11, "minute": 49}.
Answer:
{"hour": 2, "minute": 17}
